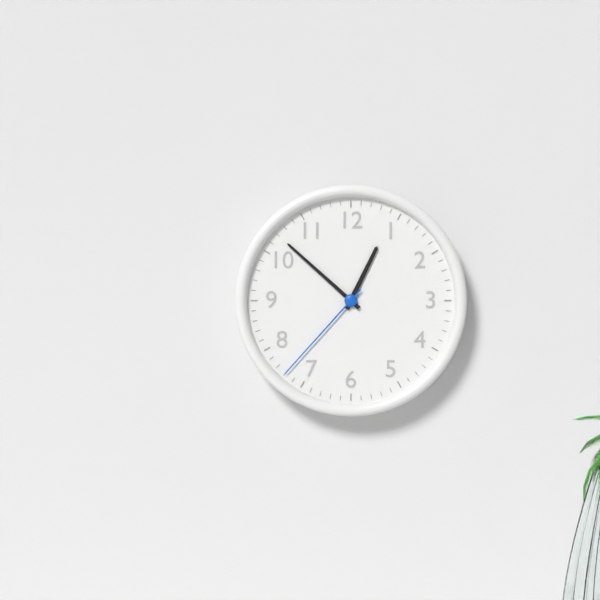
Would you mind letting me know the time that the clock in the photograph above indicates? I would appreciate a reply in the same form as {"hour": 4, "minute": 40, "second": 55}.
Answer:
{"hour": 12, "minute": 52, "second": 37}
